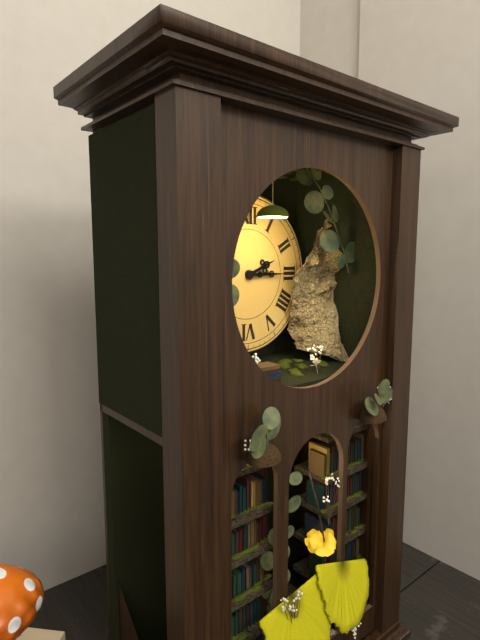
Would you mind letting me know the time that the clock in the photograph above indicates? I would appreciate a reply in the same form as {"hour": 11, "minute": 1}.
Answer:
{"hour": 2, "minute": 15}
